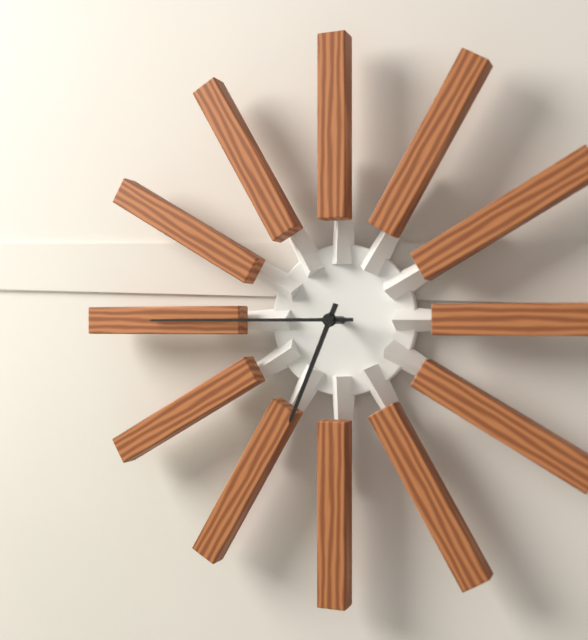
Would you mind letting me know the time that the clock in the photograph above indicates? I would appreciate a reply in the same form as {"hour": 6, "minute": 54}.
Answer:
{"hour": 6, "minute": 45}
